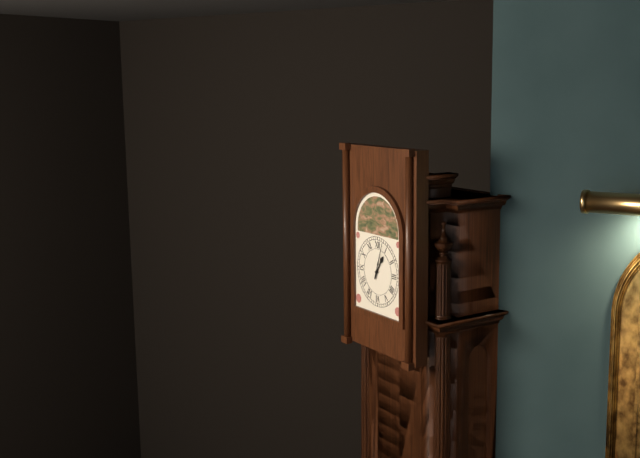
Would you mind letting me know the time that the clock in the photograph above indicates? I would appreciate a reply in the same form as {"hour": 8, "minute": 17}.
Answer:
{"hour": 1, "minute": 3}
